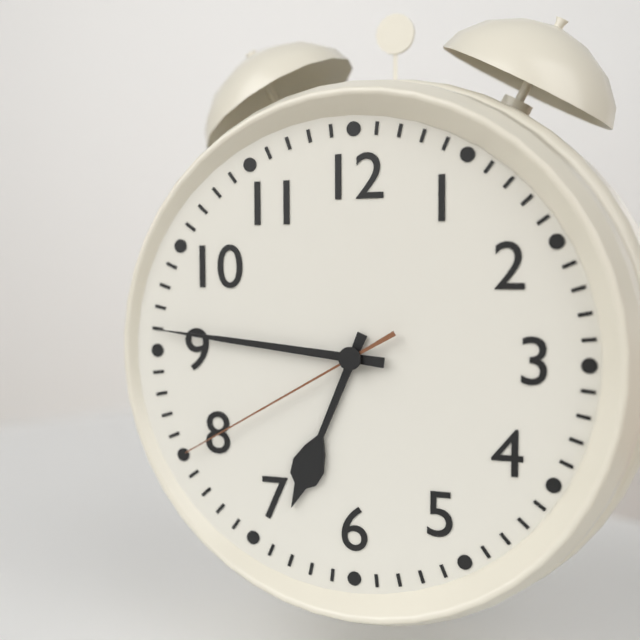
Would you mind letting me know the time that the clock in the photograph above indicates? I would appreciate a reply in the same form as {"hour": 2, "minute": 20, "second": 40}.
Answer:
{"hour": 6, "minute": 46, "second": 40}
